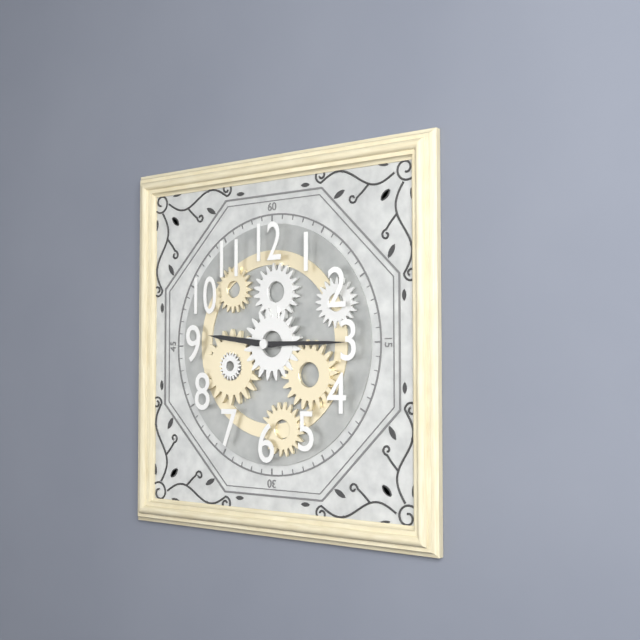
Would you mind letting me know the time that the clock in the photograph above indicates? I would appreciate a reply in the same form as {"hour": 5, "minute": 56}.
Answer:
{"hour": 9, "minute": 15}
